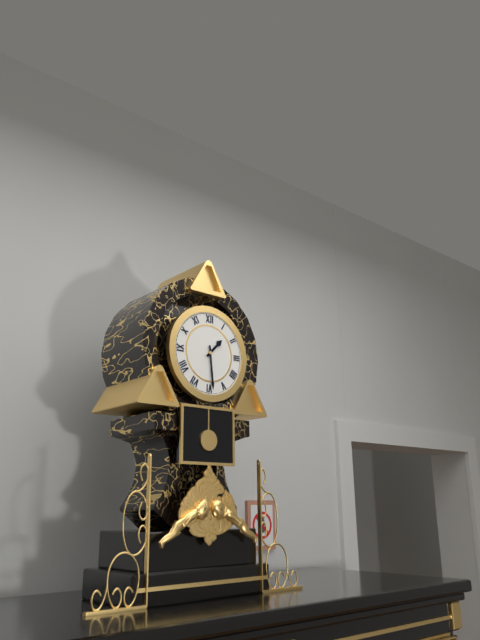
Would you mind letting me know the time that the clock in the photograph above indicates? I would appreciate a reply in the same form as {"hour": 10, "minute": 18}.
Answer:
{"hour": 1, "minute": 29}
